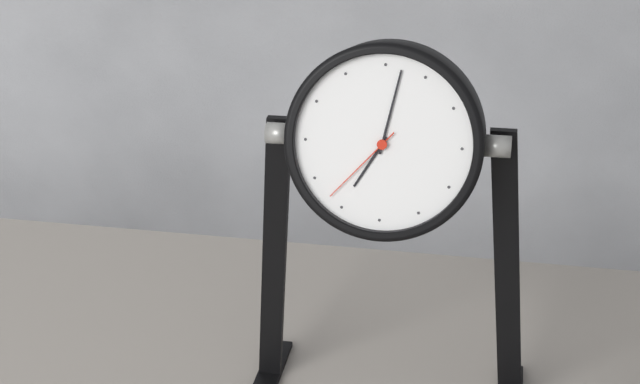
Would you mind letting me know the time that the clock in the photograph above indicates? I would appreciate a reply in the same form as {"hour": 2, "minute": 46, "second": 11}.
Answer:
{"hour": 7, "minute": 2, "second": 37}
